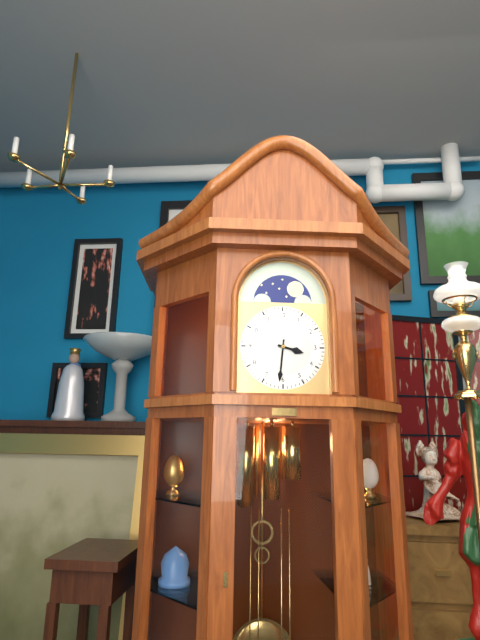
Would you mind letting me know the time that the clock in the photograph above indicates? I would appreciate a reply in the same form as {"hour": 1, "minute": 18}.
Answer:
{"hour": 3, "minute": 31}
